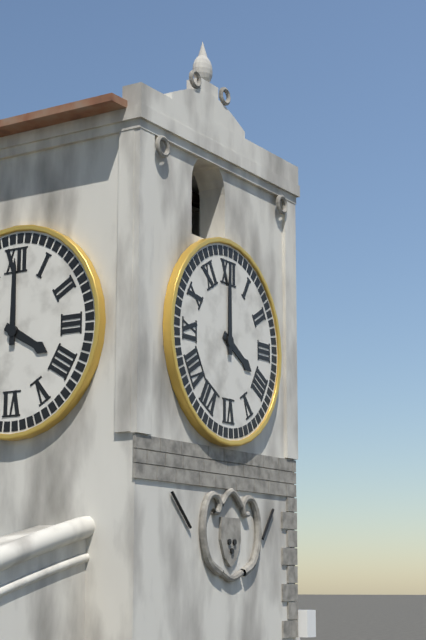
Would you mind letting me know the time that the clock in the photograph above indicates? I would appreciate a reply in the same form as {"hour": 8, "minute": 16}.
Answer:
{"hour": 4, "minute": 0}
